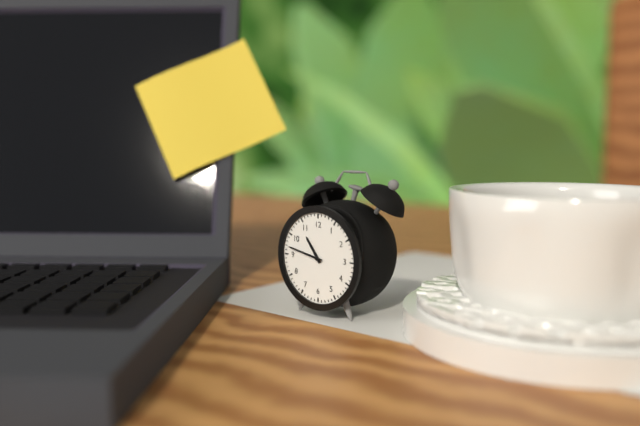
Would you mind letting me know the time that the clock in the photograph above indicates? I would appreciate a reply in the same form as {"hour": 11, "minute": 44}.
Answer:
{"hour": 10, "minute": 47}
